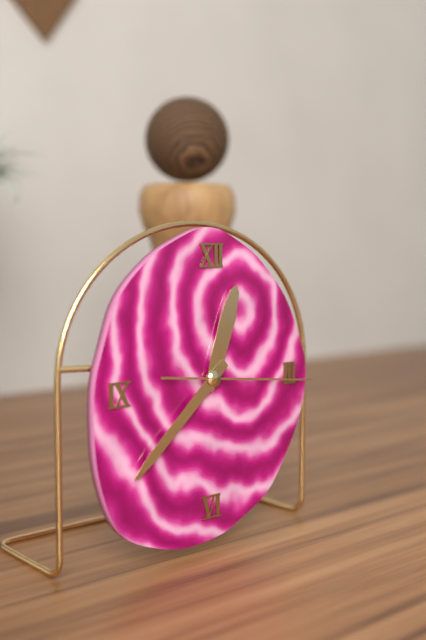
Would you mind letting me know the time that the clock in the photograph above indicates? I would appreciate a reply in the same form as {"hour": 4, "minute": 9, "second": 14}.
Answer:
{"hour": 12, "minute": 38, "second": 16}
